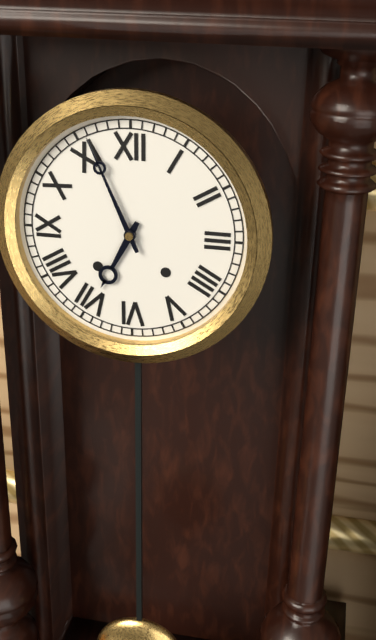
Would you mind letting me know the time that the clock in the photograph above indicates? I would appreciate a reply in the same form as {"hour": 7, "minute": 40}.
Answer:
{"hour": 6, "minute": 56}
